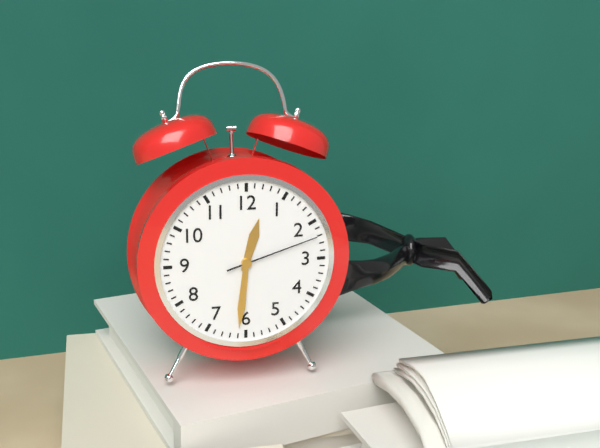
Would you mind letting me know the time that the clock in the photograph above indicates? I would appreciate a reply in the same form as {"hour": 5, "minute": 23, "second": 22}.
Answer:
{"hour": 12, "minute": 31, "second": 12}
